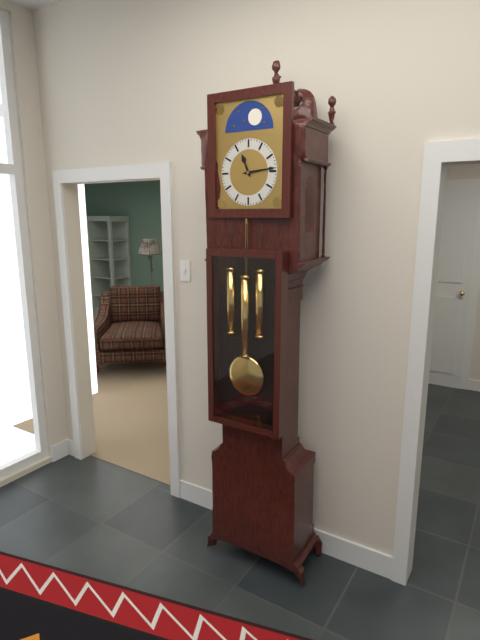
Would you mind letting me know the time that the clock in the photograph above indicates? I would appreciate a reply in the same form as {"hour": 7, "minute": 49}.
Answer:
{"hour": 11, "minute": 14}
